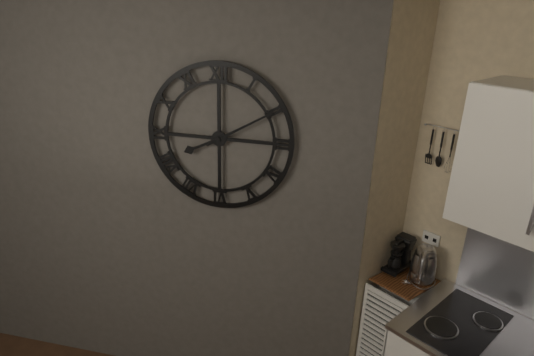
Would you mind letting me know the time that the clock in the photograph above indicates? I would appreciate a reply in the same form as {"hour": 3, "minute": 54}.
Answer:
{"hour": 8, "minute": 10}
